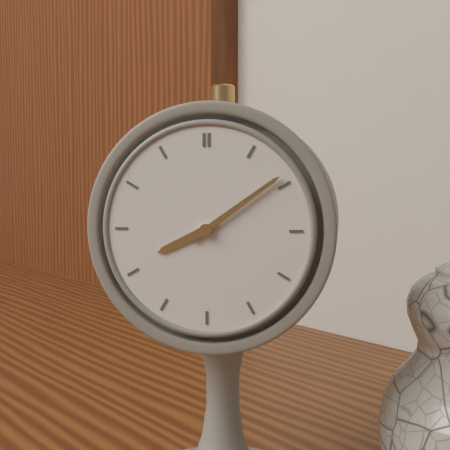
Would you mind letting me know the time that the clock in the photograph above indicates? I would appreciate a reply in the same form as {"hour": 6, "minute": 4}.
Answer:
{"hour": 8, "minute": 9}
